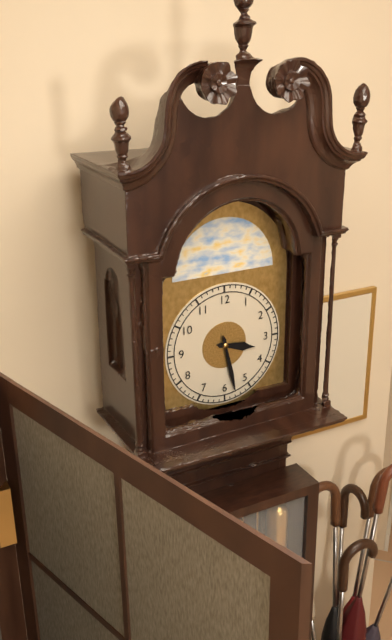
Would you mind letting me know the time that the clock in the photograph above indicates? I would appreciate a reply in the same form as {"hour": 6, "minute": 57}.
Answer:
{"hour": 3, "minute": 28}
